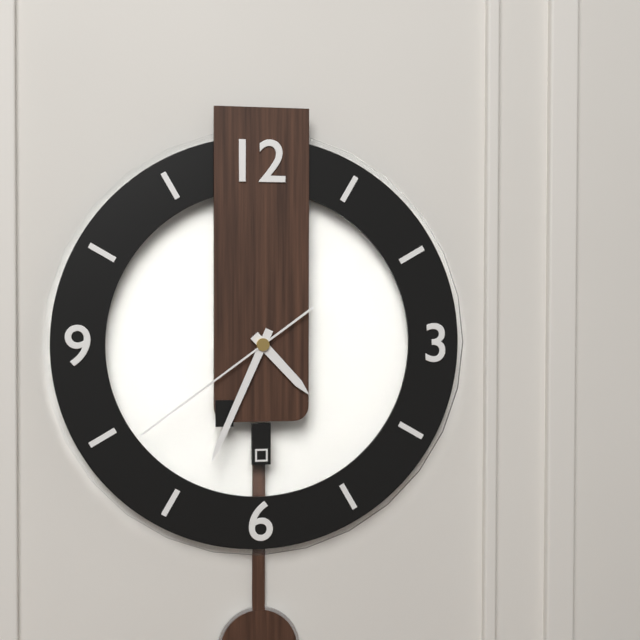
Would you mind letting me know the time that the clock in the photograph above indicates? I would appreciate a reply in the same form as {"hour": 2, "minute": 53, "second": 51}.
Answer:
{"hour": 4, "minute": 34, "second": 39}
